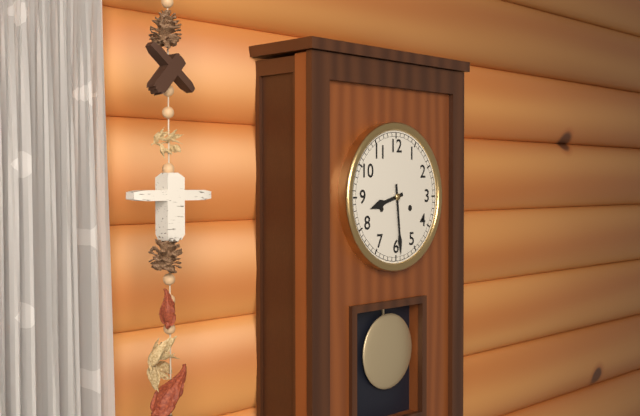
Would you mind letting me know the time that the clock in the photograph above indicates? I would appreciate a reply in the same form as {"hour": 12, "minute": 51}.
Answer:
{"hour": 8, "minute": 29}
